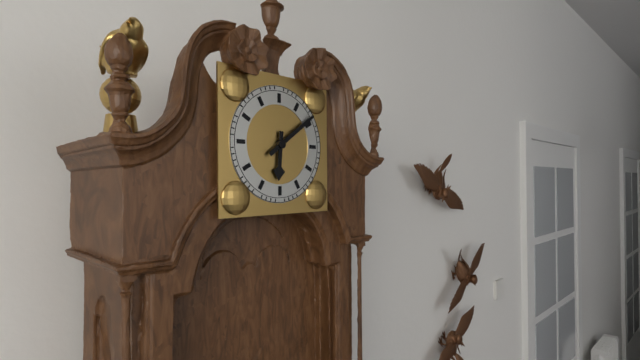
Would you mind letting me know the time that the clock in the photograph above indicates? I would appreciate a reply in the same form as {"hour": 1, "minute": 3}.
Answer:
{"hour": 6, "minute": 9}
